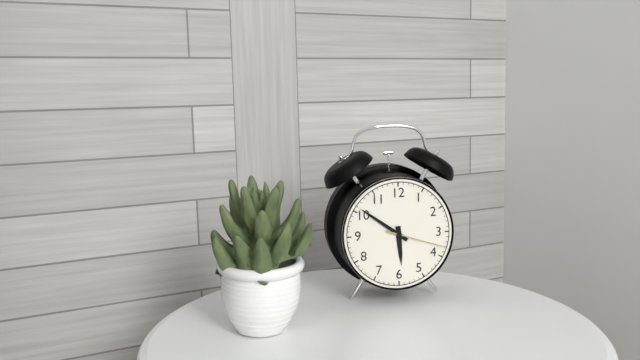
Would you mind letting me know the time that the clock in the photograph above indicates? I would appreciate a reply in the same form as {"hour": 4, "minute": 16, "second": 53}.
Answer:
{"hour": 5, "minute": 51, "second": 18}
